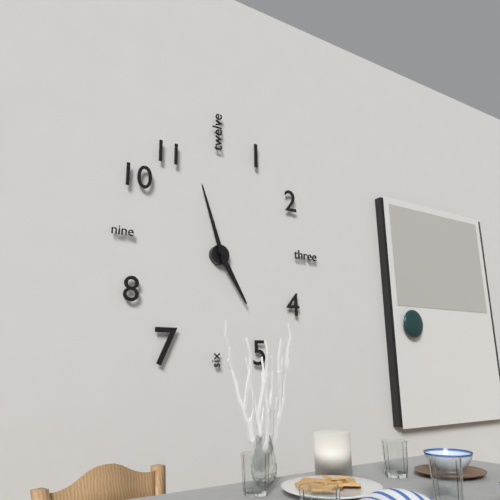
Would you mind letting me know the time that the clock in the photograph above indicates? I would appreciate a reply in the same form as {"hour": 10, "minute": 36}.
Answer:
{"hour": 4, "minute": 57}
